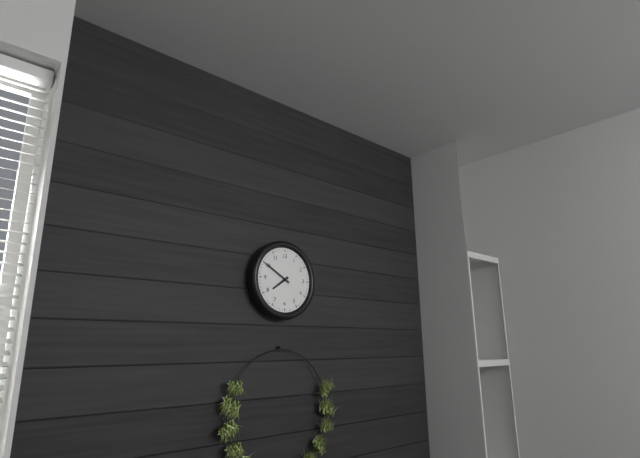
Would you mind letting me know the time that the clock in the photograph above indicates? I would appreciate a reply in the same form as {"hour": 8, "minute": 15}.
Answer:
{"hour": 7, "minute": 50}
